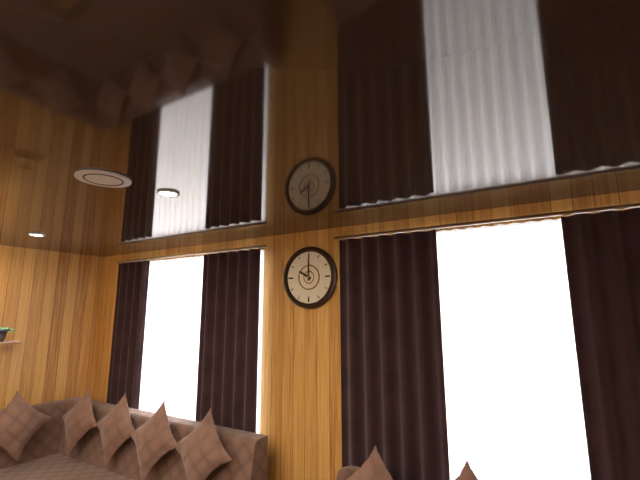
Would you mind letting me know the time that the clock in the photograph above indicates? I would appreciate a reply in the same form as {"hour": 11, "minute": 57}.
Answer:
{"hour": 10, "minute": 0}
